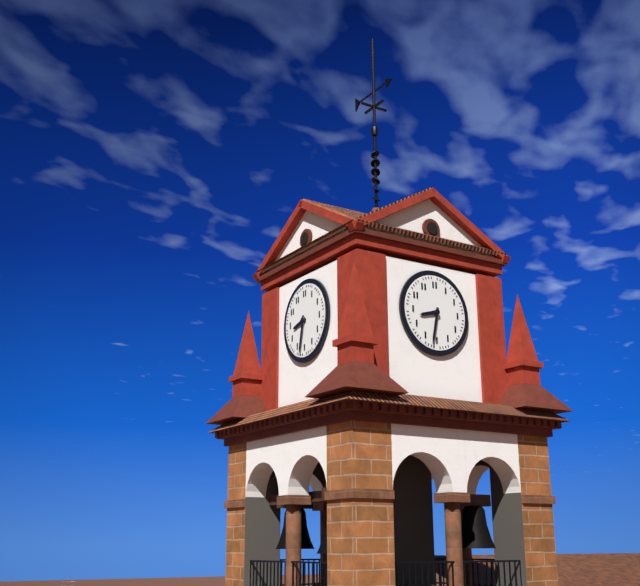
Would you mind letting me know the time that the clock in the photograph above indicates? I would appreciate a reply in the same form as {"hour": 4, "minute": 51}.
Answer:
{"hour": 8, "minute": 32}
